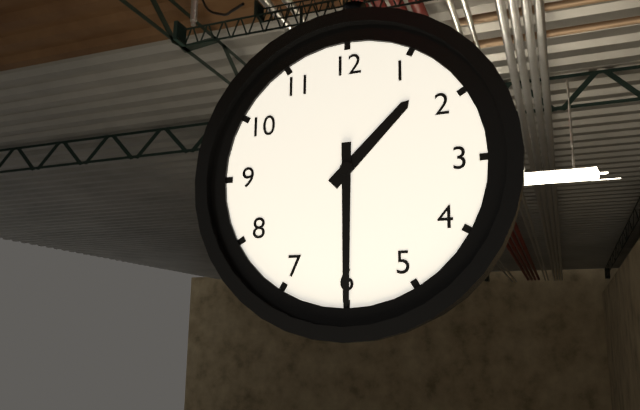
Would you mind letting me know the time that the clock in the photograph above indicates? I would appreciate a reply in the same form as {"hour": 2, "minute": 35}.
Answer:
{"hour": 1, "minute": 30}
